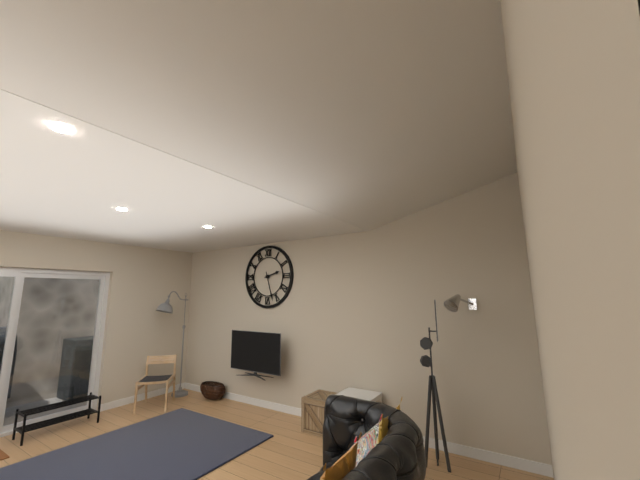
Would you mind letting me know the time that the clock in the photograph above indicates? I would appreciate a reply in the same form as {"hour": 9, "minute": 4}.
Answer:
{"hour": 2, "minute": 27}
